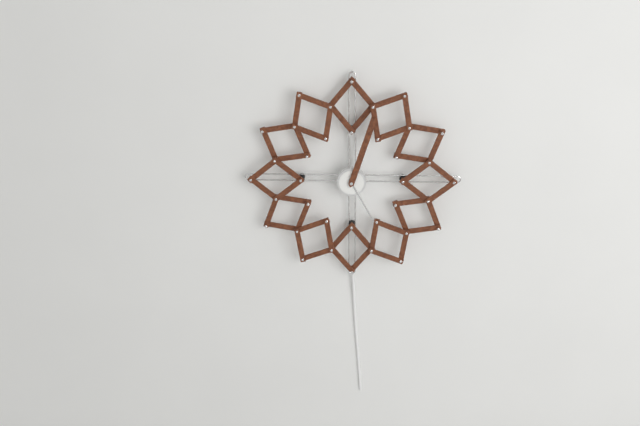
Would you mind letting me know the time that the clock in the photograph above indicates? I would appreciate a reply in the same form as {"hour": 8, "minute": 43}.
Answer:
{"hour": 5, "minute": 3}
